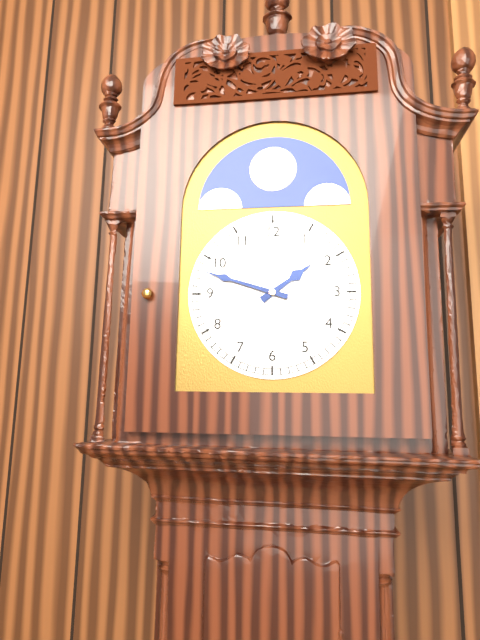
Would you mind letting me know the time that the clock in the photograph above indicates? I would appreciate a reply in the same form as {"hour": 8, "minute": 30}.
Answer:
{"hour": 1, "minute": 48}
